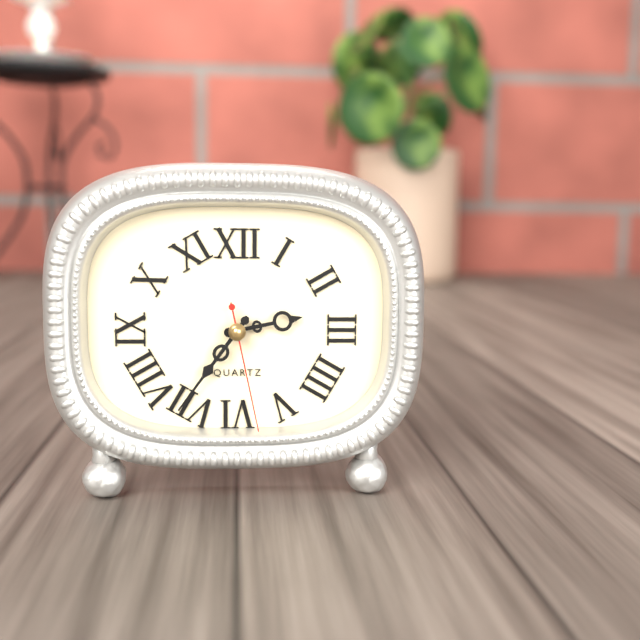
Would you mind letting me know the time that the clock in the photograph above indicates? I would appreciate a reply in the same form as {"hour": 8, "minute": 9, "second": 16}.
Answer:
{"hour": 2, "minute": 36, "second": 28}
